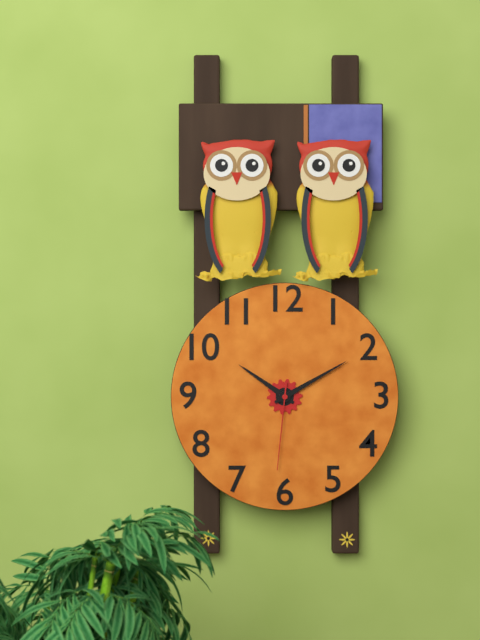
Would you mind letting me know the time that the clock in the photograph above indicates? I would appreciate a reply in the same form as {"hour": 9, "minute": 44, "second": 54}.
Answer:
{"hour": 10, "minute": 10, "second": 31}
